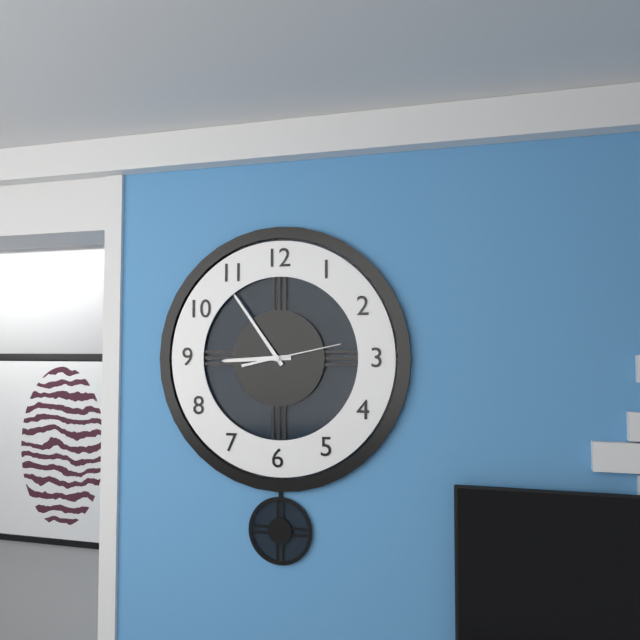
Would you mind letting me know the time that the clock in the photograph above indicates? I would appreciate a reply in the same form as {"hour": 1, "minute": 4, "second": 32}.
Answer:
{"hour": 8, "minute": 54, "second": 13}
